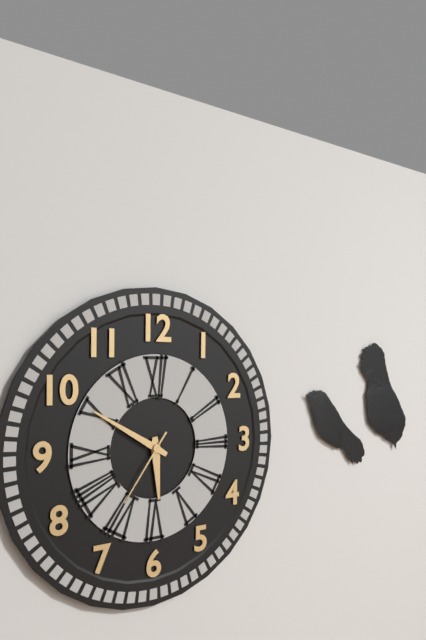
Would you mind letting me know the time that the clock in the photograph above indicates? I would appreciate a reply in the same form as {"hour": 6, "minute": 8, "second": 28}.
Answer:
{"hour": 5, "minute": 50, "second": 36}
